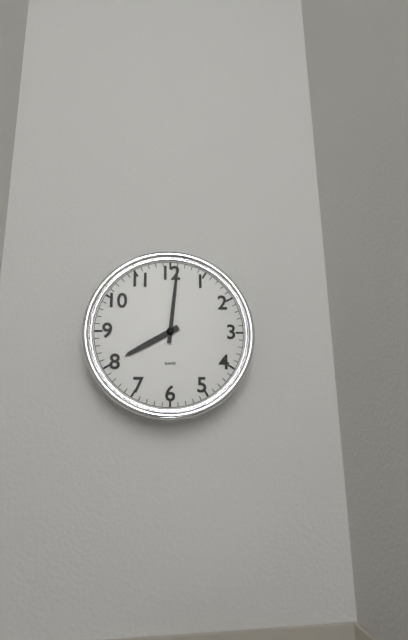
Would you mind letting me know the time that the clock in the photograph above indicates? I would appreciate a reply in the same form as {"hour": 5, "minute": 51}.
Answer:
{"hour": 8, "minute": 1}
